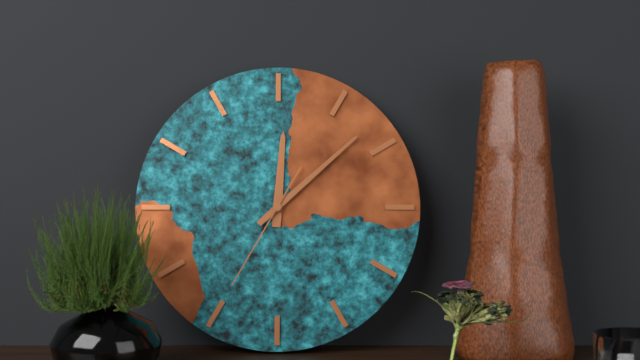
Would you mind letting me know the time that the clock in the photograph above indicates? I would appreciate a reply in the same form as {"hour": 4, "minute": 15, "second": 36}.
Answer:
{"hour": 12, "minute": 8, "second": 35}
